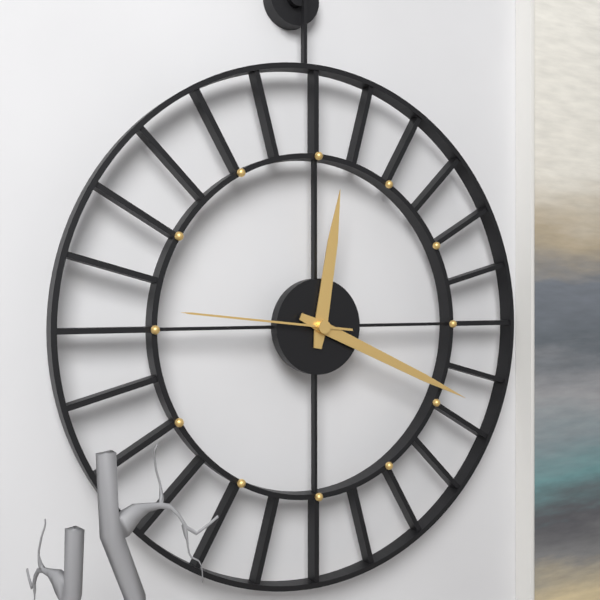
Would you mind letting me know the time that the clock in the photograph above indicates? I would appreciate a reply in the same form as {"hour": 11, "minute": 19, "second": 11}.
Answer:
{"hour": 12, "minute": 19, "second": 46}
